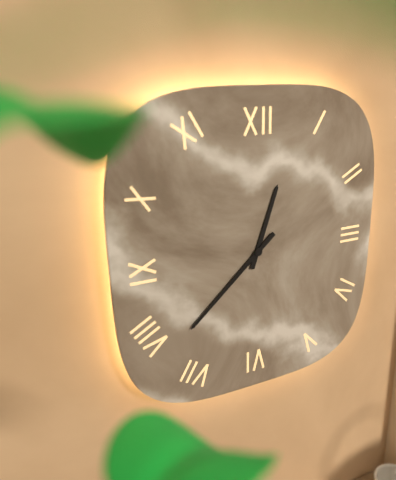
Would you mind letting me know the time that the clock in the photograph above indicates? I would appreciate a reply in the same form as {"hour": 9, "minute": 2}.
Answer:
{"hour": 12, "minute": 38}
